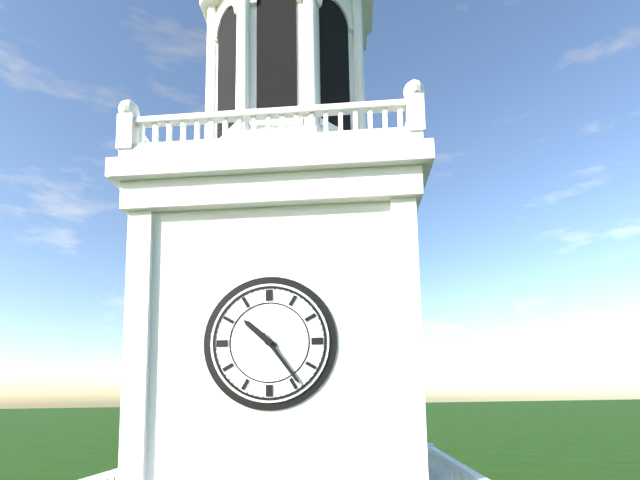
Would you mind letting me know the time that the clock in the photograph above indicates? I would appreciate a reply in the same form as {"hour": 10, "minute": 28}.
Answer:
{"hour": 10, "minute": 24}
